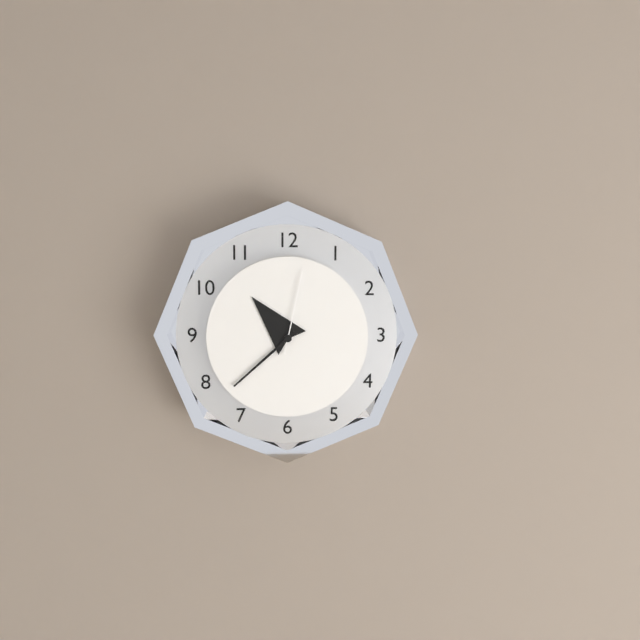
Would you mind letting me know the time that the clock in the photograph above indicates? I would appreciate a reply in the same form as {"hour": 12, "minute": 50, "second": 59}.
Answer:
{"hour": 10, "minute": 38, "second": 2}
